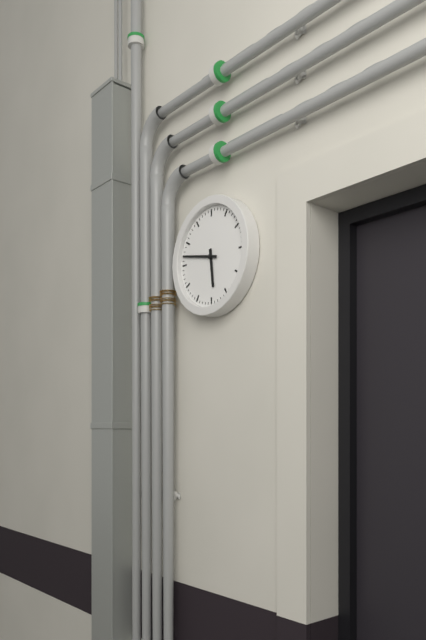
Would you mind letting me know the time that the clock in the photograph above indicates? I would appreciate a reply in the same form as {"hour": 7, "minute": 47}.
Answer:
{"hour": 5, "minute": 47}
